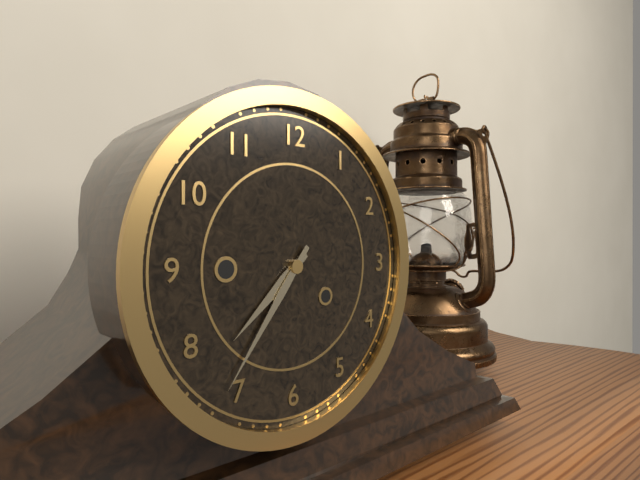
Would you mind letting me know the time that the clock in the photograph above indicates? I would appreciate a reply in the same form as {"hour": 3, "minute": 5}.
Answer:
{"hour": 7, "minute": 36}
